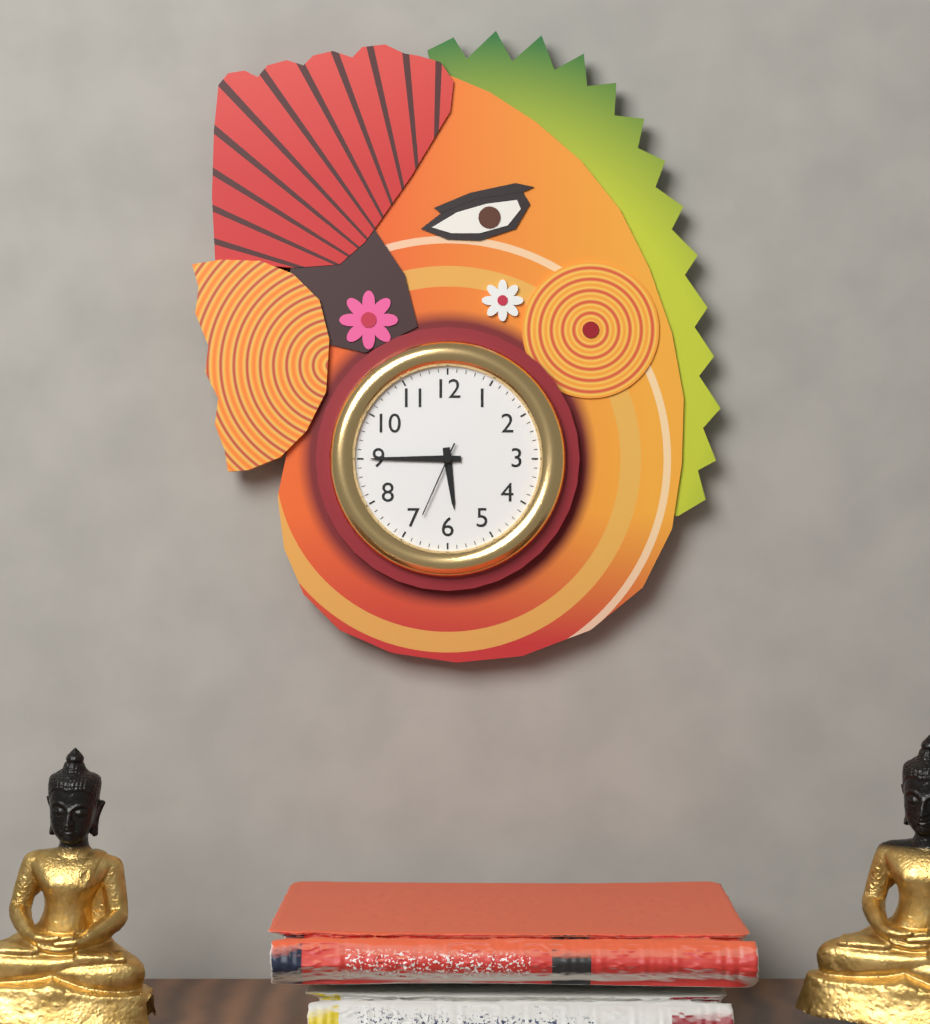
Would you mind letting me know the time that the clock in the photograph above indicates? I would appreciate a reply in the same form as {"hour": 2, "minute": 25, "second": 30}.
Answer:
{"hour": 5, "minute": 45, "second": 34}
